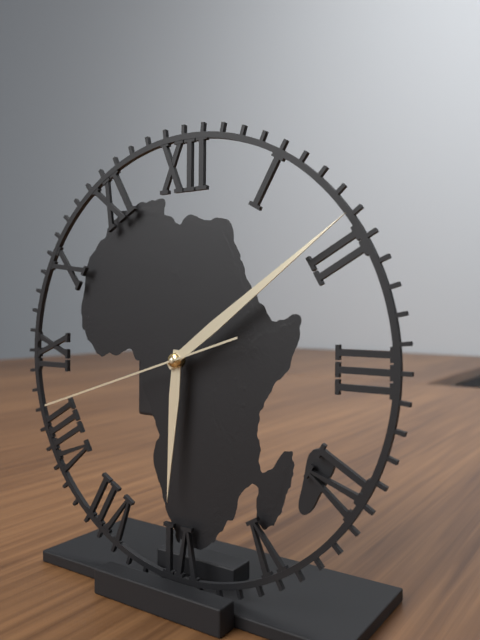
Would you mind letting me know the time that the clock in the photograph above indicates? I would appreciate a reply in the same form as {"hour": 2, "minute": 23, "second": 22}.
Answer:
{"hour": 6, "minute": 9, "second": 42}
